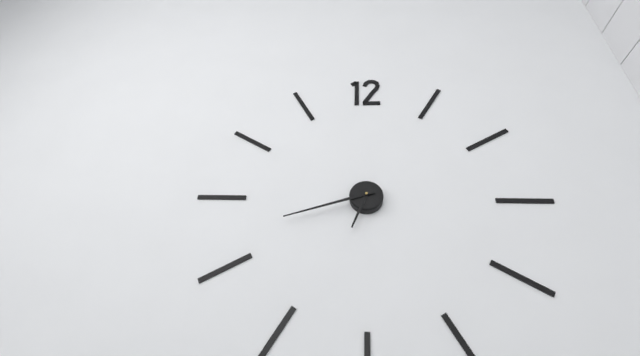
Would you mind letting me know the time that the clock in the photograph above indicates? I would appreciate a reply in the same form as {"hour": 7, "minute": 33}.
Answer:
{"hour": 6, "minute": 42}
